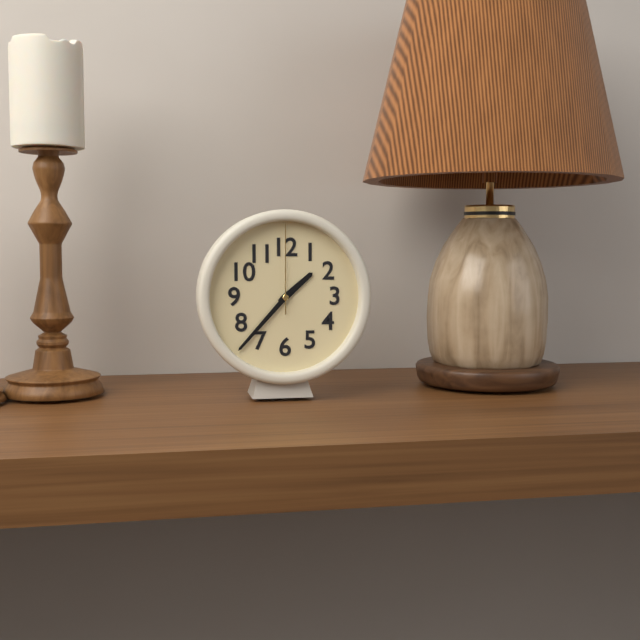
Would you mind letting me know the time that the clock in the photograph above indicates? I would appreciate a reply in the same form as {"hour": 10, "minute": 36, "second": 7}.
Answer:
{"hour": 1, "minute": 37, "second": 0}
